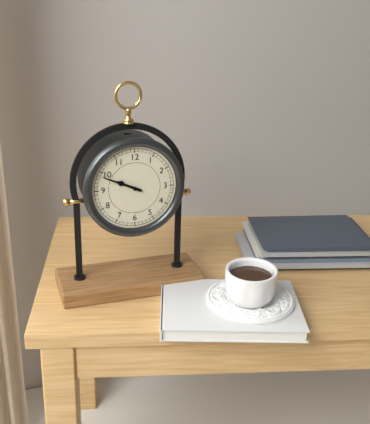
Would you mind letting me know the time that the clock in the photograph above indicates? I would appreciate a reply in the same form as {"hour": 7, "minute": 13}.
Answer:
{"hour": 9, "minute": 49}
